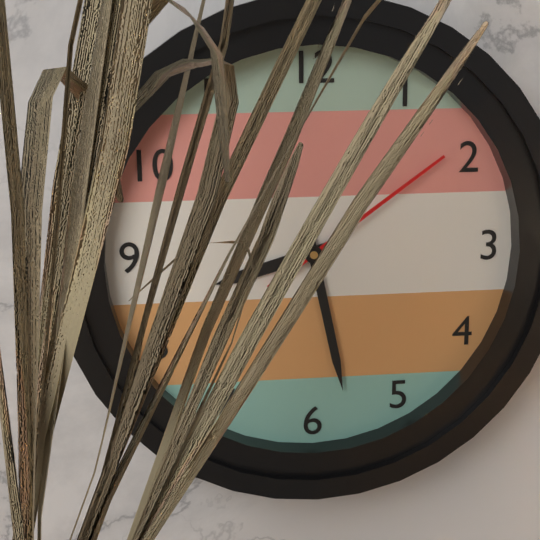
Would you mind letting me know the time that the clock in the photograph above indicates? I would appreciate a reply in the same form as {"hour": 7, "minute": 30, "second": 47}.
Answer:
{"hour": 8, "minute": 28, "second": 9}
